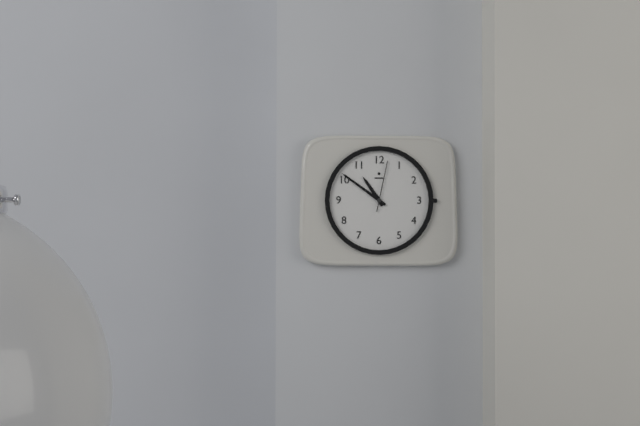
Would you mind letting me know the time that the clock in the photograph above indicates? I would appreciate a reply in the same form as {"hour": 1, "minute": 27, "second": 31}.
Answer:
{"hour": 10, "minute": 51, "second": 2}
